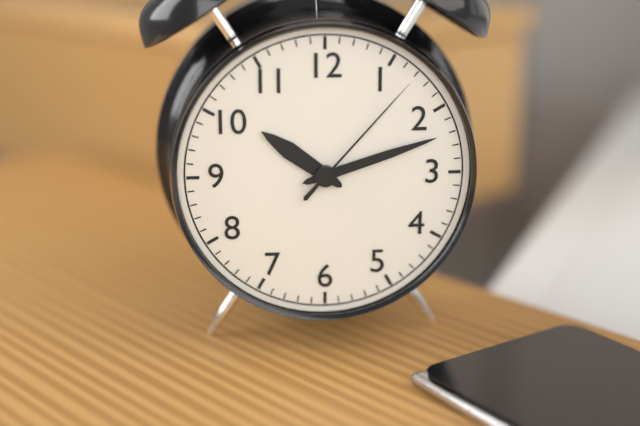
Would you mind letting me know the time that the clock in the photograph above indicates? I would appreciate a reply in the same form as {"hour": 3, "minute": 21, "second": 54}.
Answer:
{"hour": 10, "minute": 12, "second": 7}
